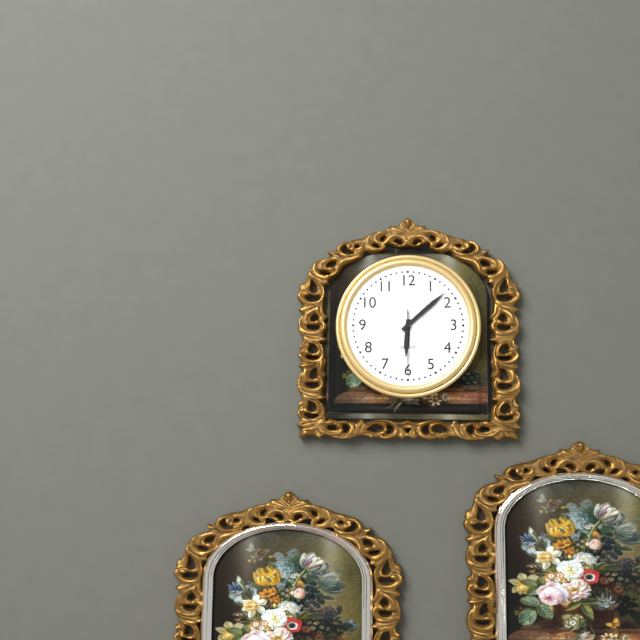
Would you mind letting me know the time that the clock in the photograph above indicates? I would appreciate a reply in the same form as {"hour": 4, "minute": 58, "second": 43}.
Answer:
{"hour": 6, "minute": 8, "second": 30}
